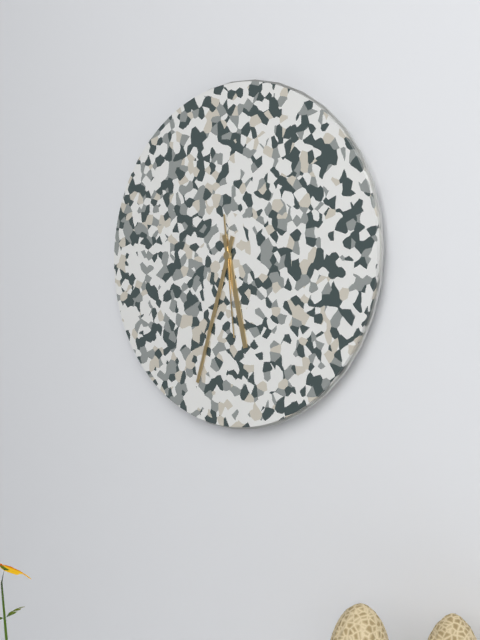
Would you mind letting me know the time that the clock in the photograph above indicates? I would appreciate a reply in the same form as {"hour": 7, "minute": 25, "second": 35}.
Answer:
{"hour": 5, "minute": 33, "second": 29}
